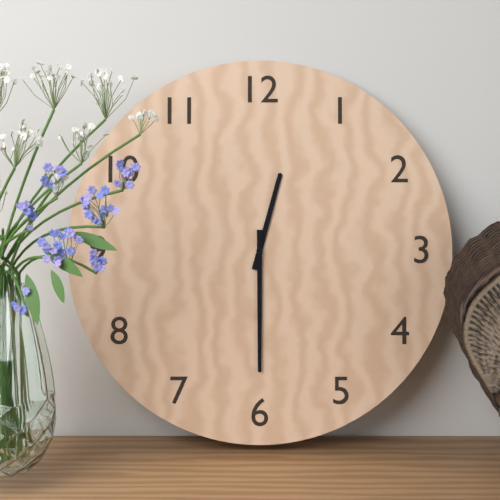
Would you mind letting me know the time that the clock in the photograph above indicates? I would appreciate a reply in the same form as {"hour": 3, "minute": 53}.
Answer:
{"hour": 12, "minute": 30}
